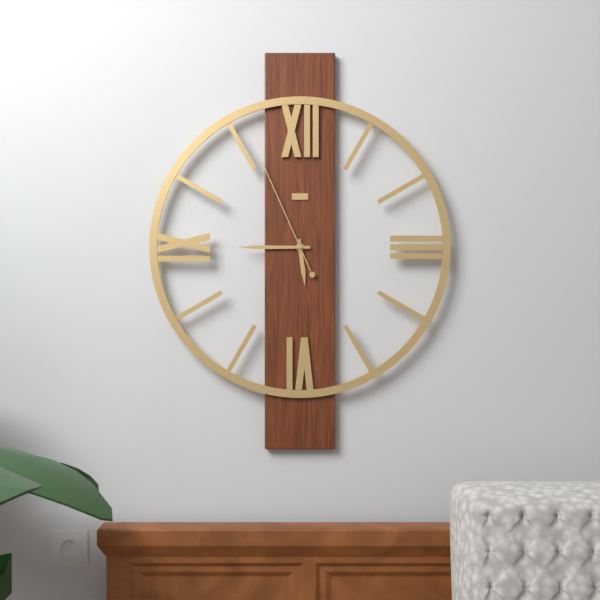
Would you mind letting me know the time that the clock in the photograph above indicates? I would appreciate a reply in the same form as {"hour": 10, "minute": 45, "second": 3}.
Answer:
{"hour": 5, "minute": 45, "second": 56}
